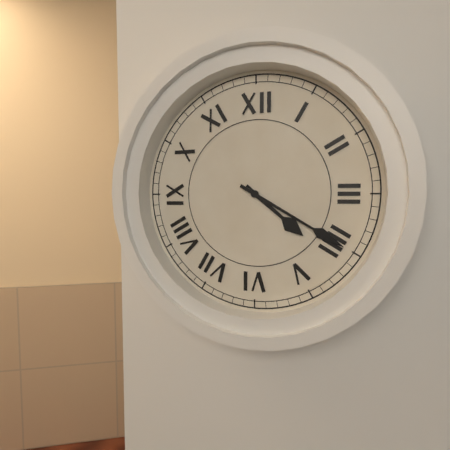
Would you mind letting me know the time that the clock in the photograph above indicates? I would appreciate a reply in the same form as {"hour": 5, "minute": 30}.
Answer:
{"hour": 4, "minute": 20}
